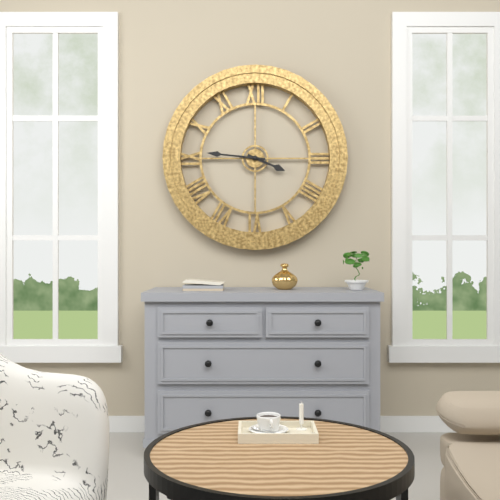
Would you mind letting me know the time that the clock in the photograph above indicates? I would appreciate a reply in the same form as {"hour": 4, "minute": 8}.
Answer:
{"hour": 3, "minute": 46}
